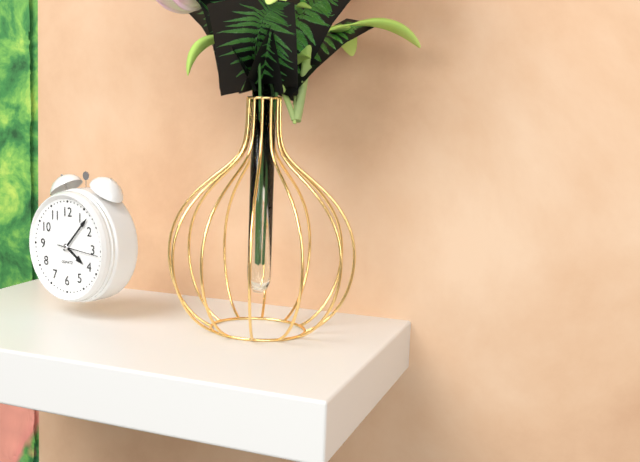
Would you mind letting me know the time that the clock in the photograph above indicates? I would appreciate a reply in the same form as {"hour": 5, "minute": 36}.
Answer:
{"hour": 4, "minute": 7}
